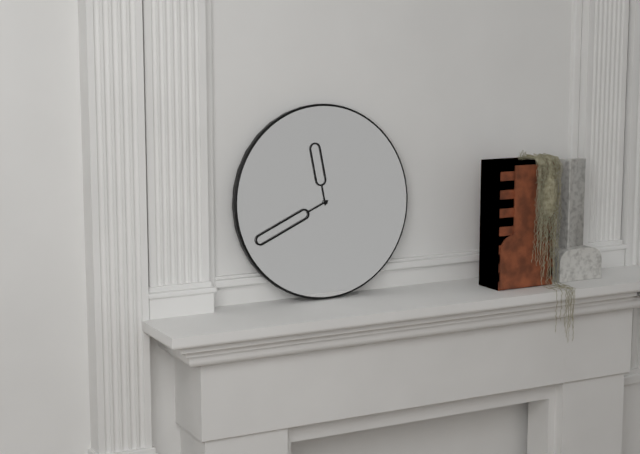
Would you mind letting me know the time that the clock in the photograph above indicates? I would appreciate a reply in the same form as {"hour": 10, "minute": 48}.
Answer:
{"hour": 11, "minute": 41}
